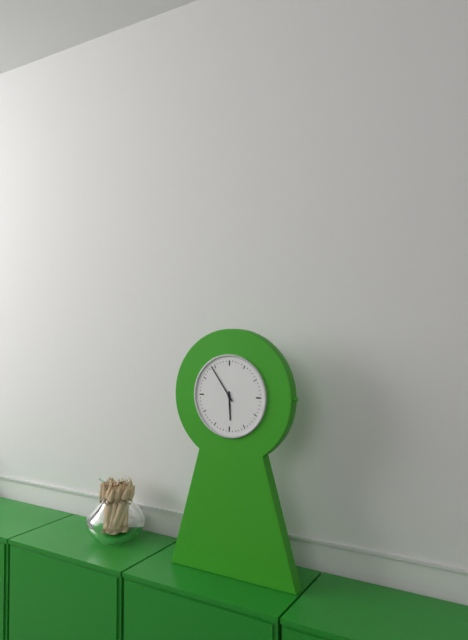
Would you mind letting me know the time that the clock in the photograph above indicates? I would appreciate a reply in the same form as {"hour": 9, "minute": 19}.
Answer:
{"hour": 5, "minute": 54}
